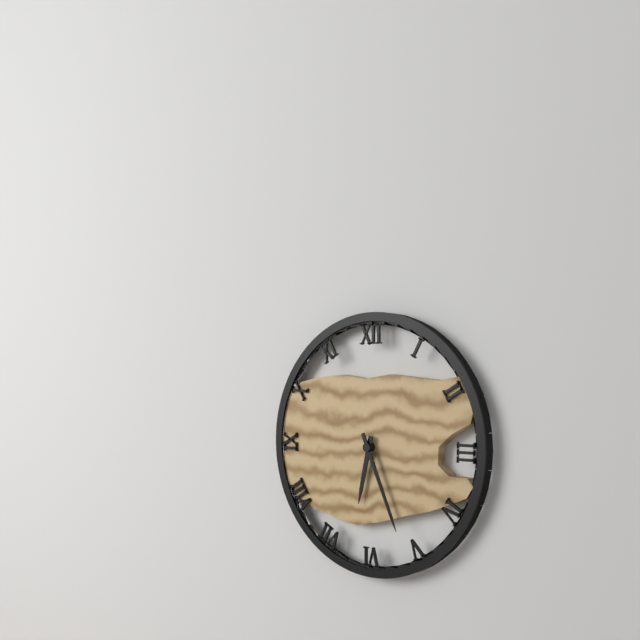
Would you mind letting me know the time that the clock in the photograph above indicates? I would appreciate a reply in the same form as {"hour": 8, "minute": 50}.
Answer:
{"hour": 6, "minute": 26}
